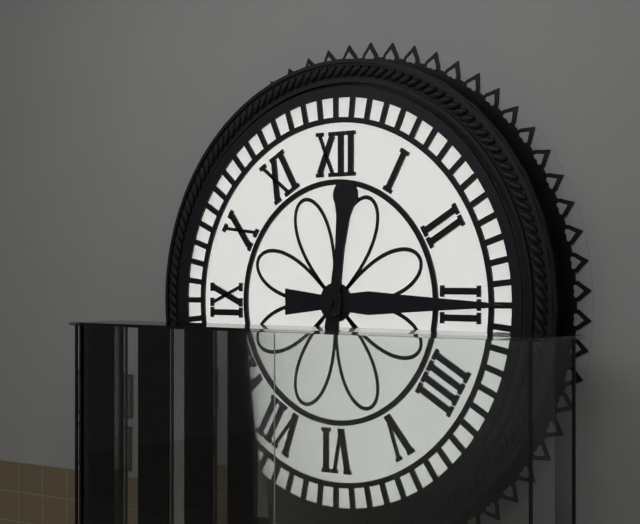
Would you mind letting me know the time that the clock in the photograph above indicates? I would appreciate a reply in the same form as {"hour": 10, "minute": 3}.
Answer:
{"hour": 12, "minute": 15}
